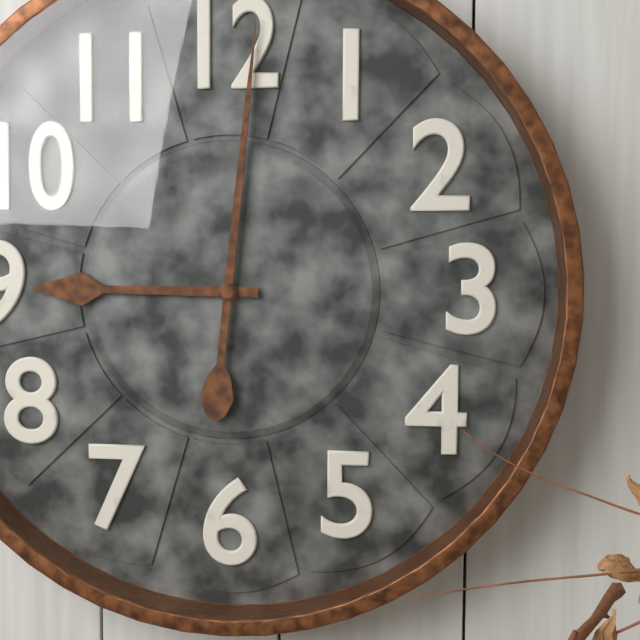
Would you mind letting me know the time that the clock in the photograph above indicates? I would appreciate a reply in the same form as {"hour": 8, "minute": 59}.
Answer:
{"hour": 9, "minute": 1}
